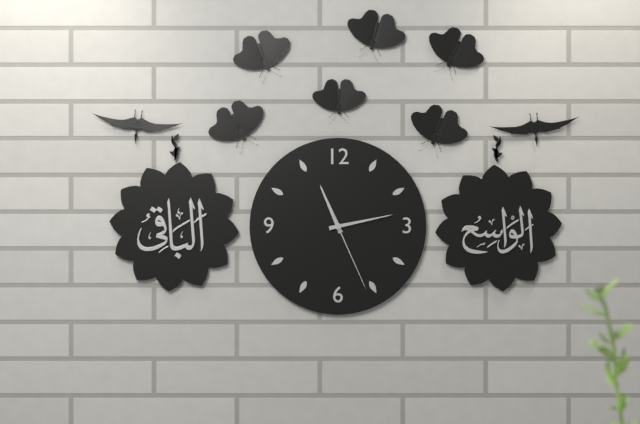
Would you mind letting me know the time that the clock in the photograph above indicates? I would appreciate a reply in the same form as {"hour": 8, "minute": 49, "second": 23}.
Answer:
{"hour": 11, "minute": 13, "second": 26}
